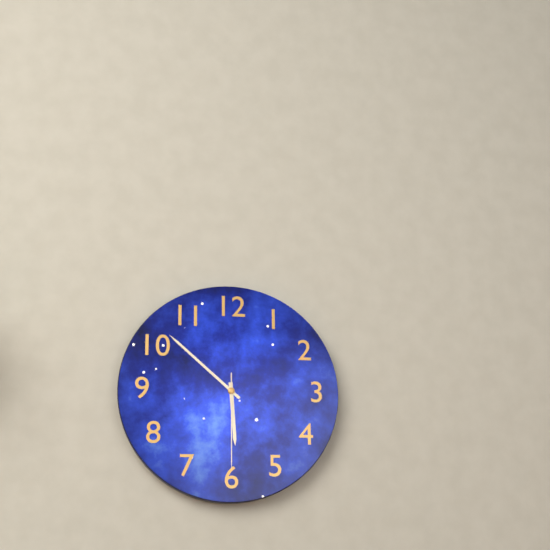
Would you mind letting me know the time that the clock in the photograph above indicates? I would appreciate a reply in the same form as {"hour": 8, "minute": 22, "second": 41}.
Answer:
{"hour": 5, "minute": 52, "second": 30}
